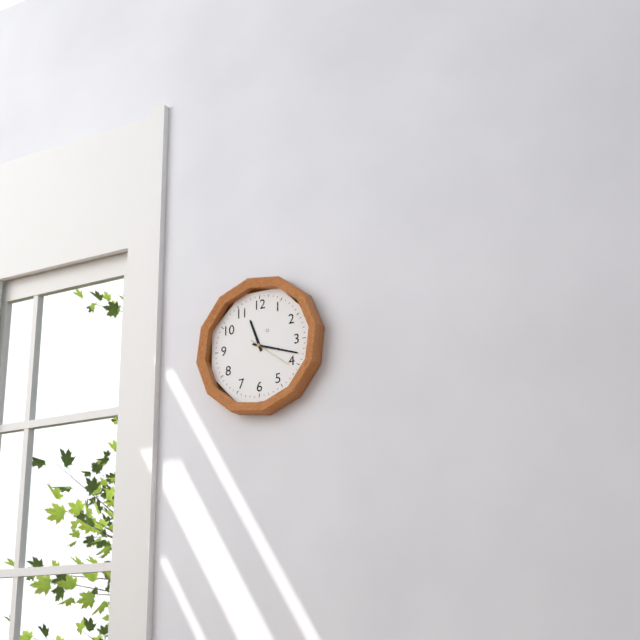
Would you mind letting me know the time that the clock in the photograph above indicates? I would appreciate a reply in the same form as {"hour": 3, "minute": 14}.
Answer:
{"hour": 11, "minute": 18}
